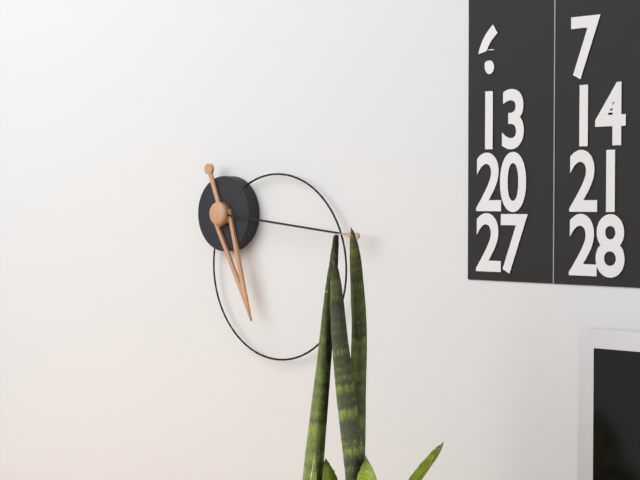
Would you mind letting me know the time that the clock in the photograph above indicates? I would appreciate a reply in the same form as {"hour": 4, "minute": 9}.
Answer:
{"hour": 5, "minute": 16}
